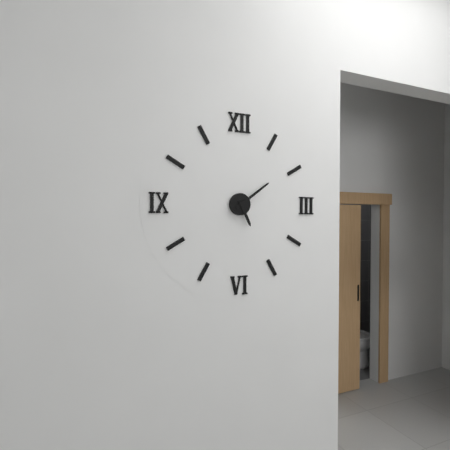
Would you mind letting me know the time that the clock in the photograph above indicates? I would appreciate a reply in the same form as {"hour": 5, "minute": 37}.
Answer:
{"hour": 5, "minute": 9}
